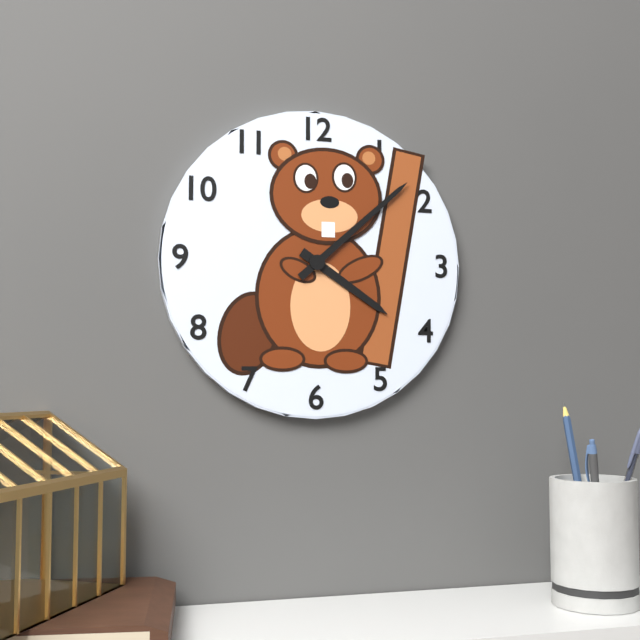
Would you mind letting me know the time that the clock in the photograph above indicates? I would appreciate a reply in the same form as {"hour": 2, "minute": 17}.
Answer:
{"hour": 4, "minute": 8}
